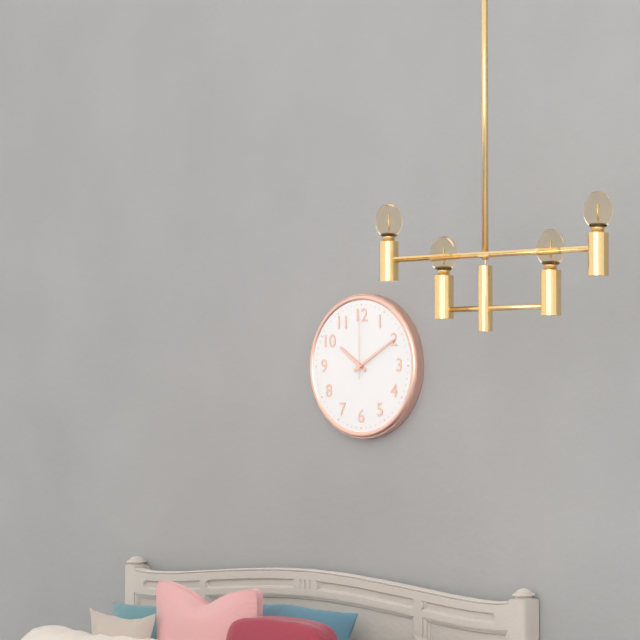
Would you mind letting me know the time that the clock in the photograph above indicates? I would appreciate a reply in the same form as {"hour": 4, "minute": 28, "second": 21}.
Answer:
{"hour": 10, "minute": 10, "second": 0}
